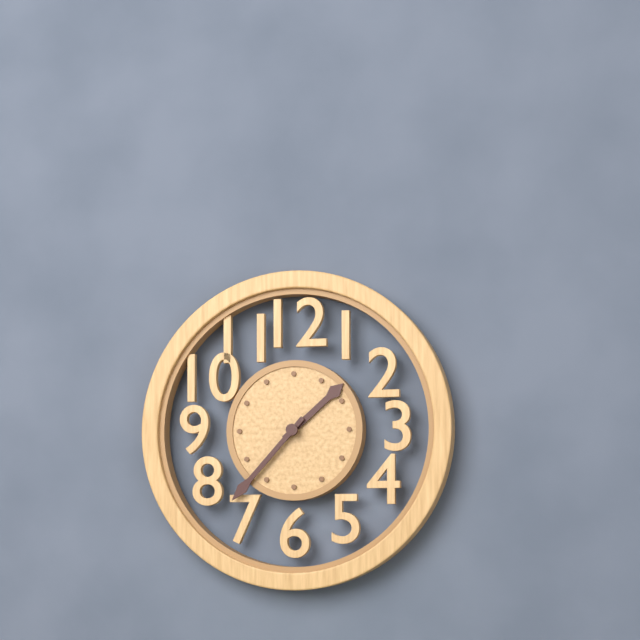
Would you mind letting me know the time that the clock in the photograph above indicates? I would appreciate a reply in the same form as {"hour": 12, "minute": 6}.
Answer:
{"hour": 1, "minute": 37}
